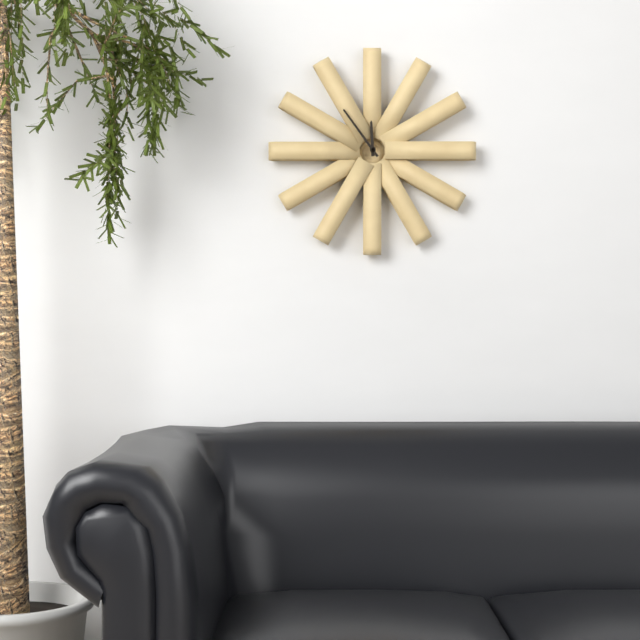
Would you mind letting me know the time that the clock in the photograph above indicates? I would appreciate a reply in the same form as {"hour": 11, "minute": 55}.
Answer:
{"hour": 11, "minute": 54}
